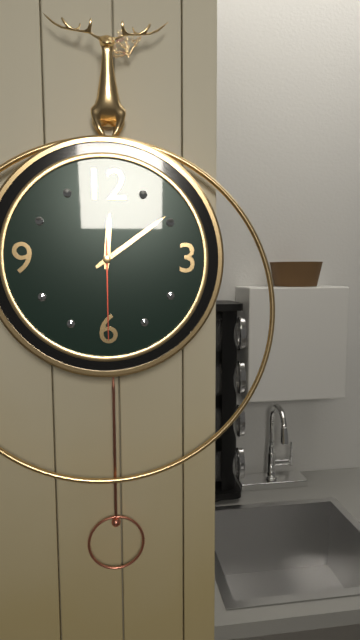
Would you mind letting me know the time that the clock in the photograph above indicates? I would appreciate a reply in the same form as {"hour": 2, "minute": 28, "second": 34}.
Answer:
{"hour": 12, "minute": 9, "second": 30}
